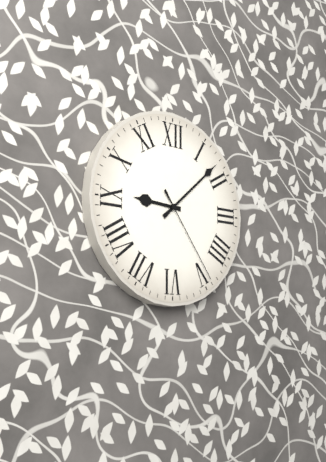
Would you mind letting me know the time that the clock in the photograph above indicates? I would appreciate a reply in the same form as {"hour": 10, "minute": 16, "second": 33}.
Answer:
{"hour": 9, "minute": 8, "second": 24}
